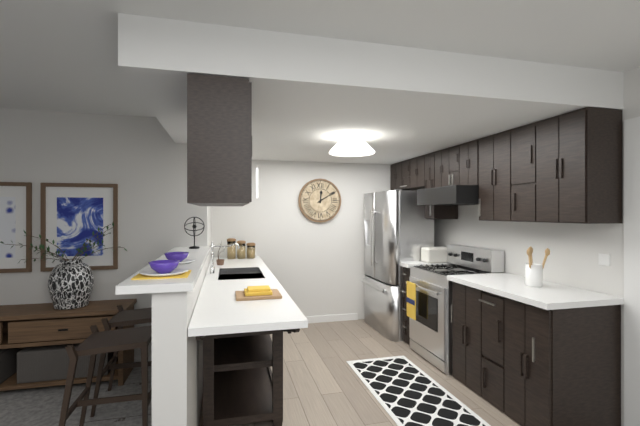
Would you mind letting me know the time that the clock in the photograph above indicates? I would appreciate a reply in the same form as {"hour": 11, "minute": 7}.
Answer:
{"hour": 12, "minute": 10}
